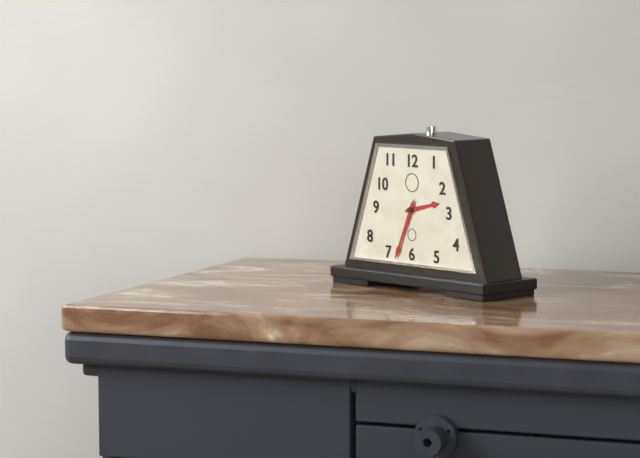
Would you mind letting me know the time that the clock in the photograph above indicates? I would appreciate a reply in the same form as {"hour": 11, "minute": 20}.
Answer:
{"hour": 2, "minute": 34}
